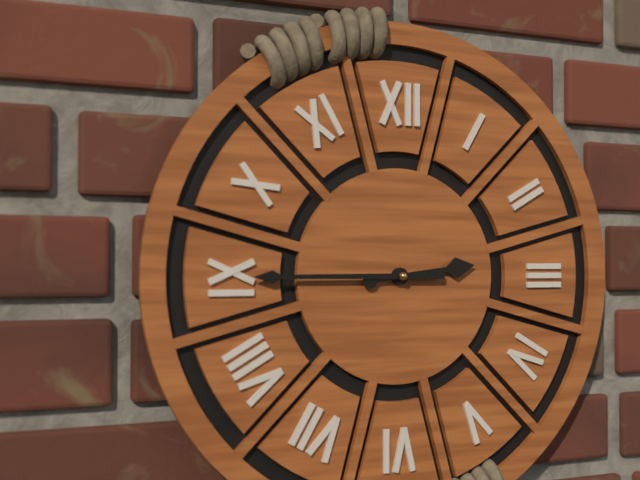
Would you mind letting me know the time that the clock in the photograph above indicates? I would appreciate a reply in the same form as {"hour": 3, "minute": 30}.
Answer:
{"hour": 2, "minute": 45}
